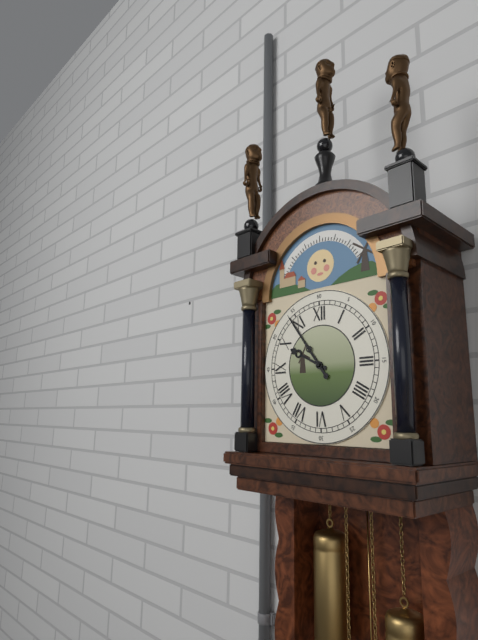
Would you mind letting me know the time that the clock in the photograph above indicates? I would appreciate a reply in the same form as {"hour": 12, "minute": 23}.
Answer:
{"hour": 9, "minute": 54}
